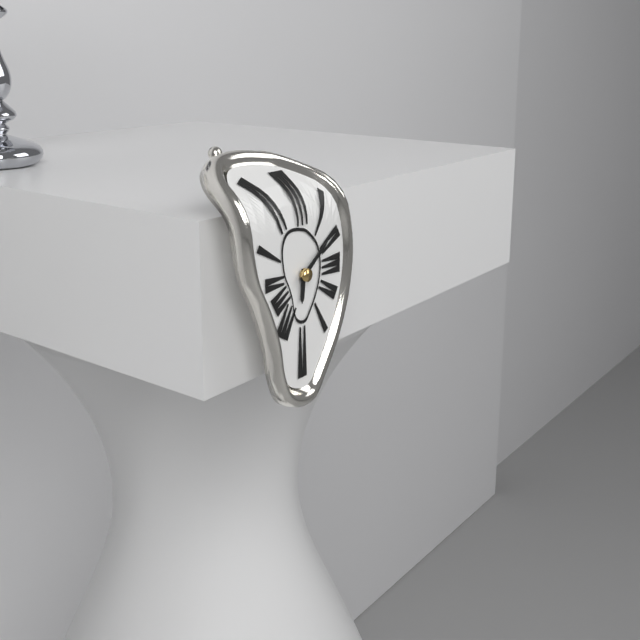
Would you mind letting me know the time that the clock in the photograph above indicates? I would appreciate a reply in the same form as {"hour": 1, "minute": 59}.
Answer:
{"hour": 6, "minute": 9}
